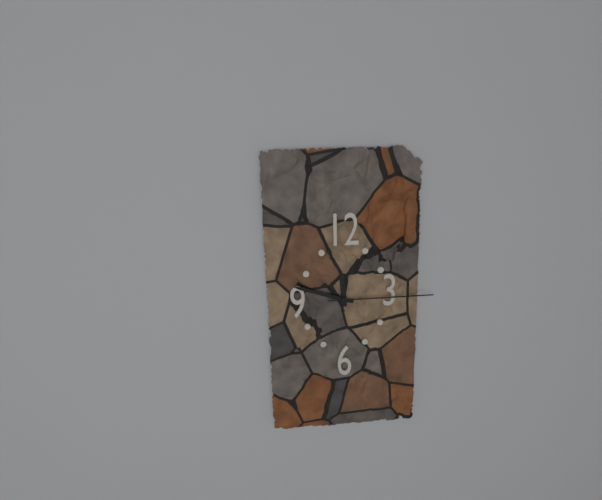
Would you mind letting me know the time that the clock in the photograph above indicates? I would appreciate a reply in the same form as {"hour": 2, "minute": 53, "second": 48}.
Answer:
{"hour": 11, "minute": 48, "second": 15}
